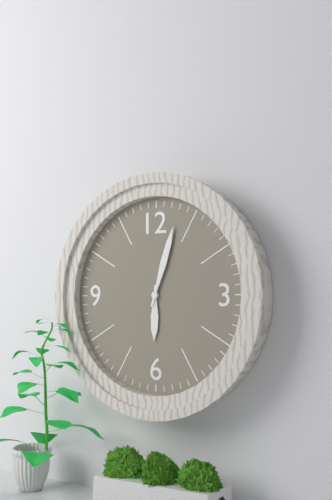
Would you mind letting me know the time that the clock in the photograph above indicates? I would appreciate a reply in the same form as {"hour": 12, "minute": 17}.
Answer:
{"hour": 6, "minute": 3}
